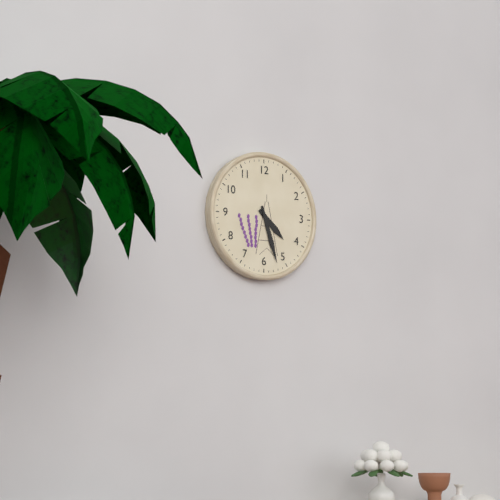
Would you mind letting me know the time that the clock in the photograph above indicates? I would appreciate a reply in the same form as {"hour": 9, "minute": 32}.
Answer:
{"hour": 4, "minute": 27}
